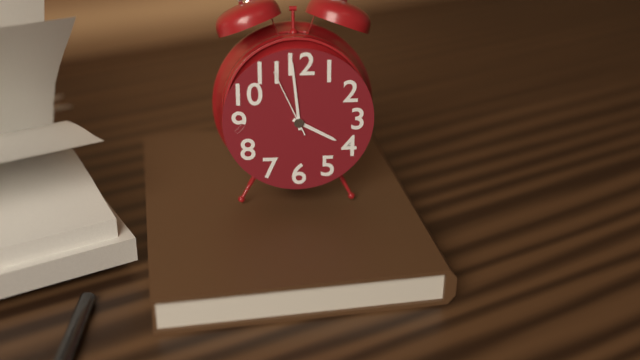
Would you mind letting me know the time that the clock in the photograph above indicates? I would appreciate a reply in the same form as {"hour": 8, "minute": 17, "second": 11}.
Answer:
{"hour": 3, "minute": 59, "second": 56}
